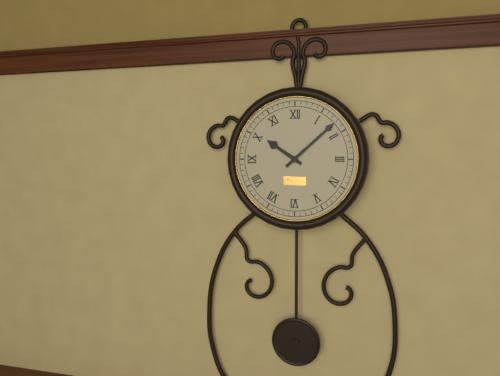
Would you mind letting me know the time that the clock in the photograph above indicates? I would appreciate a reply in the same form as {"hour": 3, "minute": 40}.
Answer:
{"hour": 10, "minute": 8}
